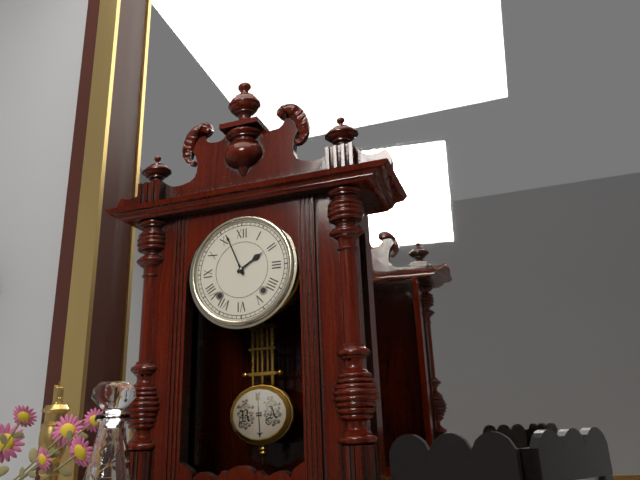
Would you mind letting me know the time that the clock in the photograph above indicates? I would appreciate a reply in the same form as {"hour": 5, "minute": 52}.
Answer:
{"hour": 1, "minute": 56}
